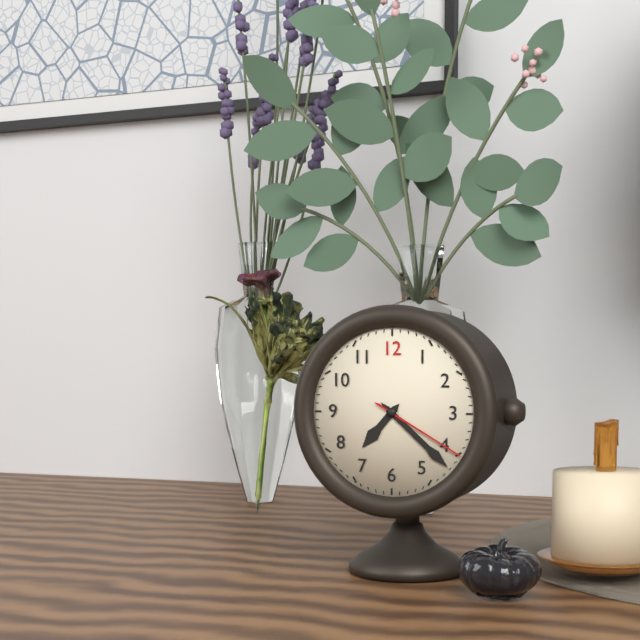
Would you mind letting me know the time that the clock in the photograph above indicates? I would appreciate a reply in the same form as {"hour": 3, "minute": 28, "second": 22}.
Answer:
{"hour": 7, "minute": 22, "second": 20}
